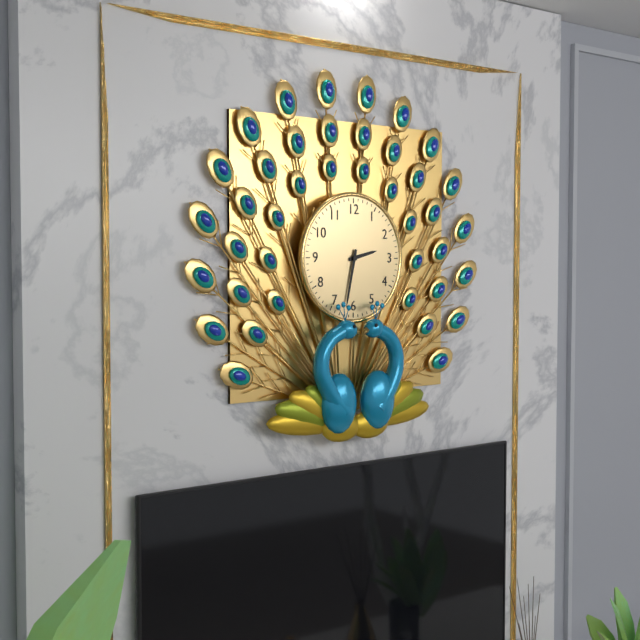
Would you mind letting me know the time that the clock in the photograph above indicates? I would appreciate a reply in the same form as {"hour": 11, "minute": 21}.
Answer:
{"hour": 2, "minute": 32}
